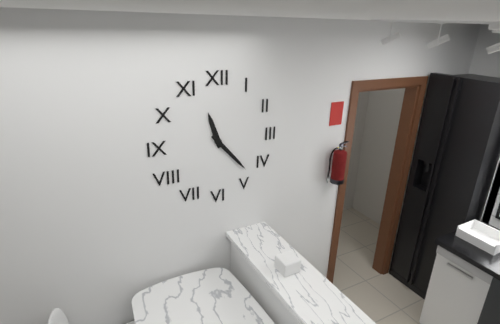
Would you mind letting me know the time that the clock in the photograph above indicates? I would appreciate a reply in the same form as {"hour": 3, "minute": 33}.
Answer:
{"hour": 11, "minute": 23}
